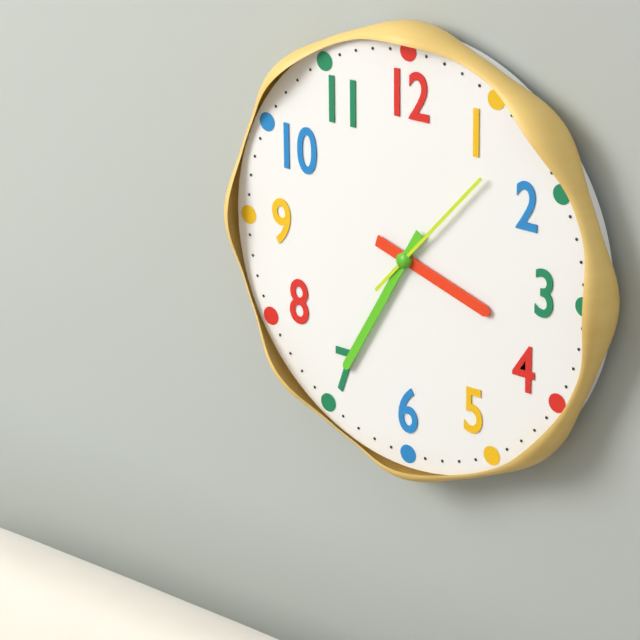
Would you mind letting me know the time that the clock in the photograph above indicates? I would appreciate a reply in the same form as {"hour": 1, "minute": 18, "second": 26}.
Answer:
{"hour": 3, "minute": 35, "second": 7}
